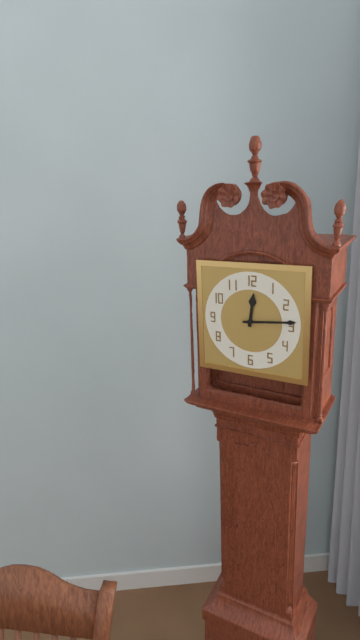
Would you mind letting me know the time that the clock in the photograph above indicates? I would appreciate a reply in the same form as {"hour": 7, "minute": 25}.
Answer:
{"hour": 12, "minute": 14}
